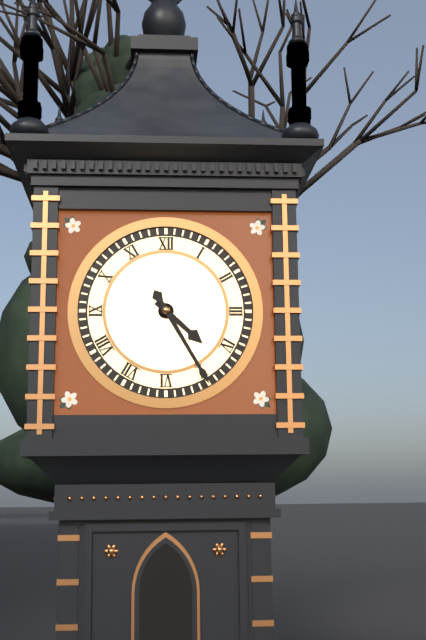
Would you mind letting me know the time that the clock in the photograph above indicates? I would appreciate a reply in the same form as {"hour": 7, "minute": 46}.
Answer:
{"hour": 4, "minute": 25}
